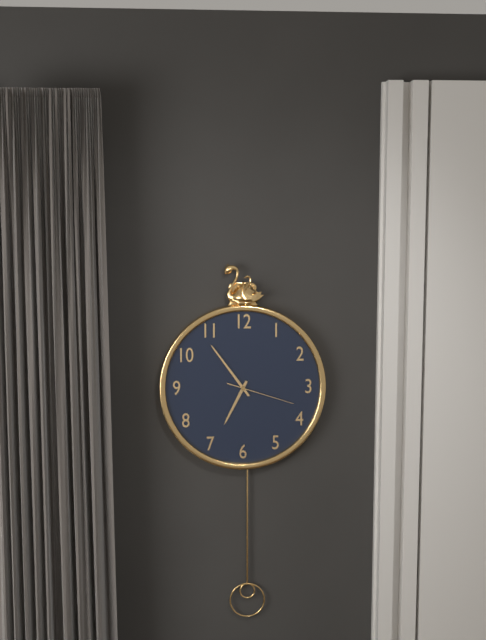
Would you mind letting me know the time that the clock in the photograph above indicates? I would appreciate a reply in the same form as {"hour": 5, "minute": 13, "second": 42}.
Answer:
{"hour": 6, "minute": 54, "second": 18}
